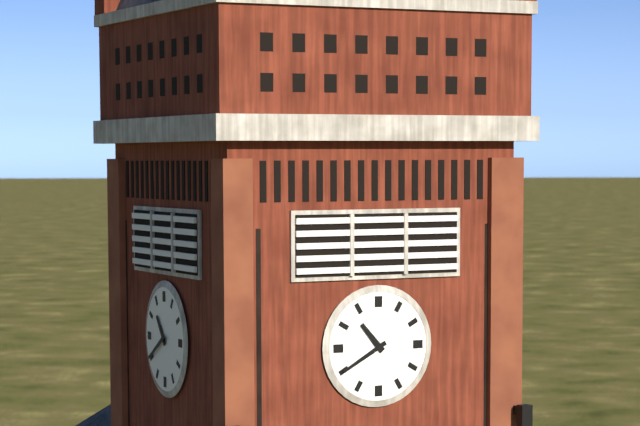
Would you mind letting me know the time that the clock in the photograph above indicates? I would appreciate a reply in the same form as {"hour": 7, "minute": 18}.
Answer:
{"hour": 10, "minute": 40}
